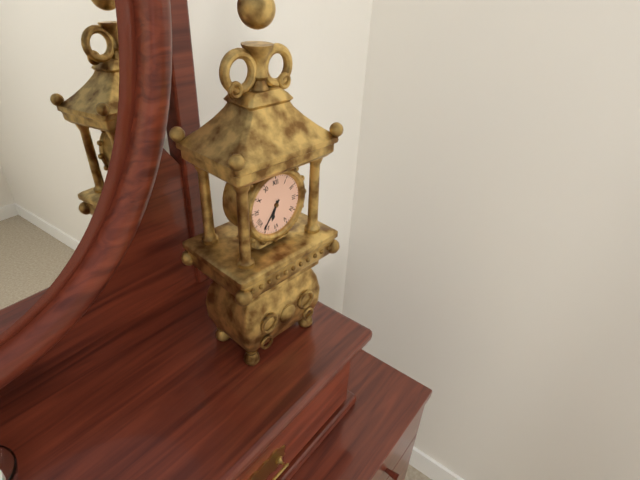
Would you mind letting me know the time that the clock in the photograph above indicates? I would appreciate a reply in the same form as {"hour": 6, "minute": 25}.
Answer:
{"hour": 6, "minute": 36}
